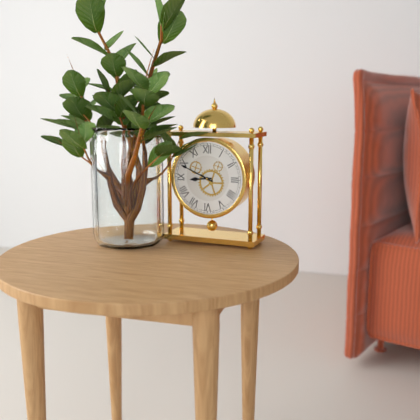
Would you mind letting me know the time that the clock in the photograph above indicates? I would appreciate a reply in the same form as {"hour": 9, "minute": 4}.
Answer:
{"hour": 8, "minute": 49}
